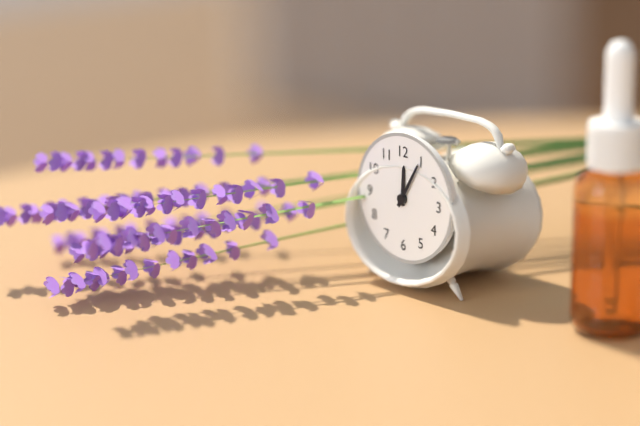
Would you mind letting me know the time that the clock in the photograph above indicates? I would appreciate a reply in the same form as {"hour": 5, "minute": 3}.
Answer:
{"hour": 12, "minute": 5}
